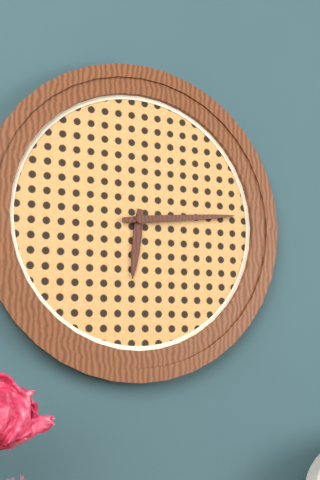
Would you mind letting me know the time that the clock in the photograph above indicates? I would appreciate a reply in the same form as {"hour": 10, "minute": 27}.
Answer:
{"hour": 6, "minute": 14}
